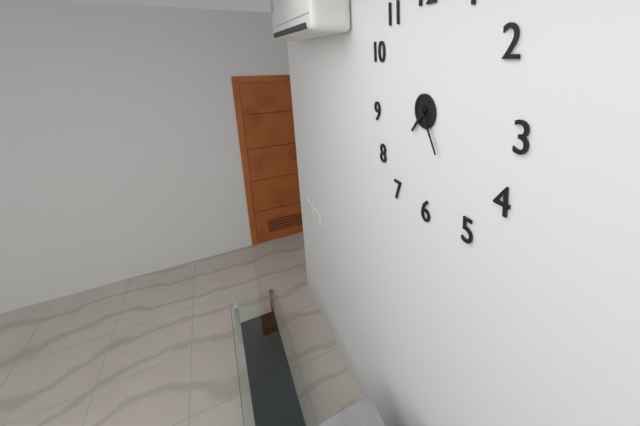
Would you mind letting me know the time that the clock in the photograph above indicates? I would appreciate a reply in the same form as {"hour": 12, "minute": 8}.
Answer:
{"hour": 7, "minute": 25}
